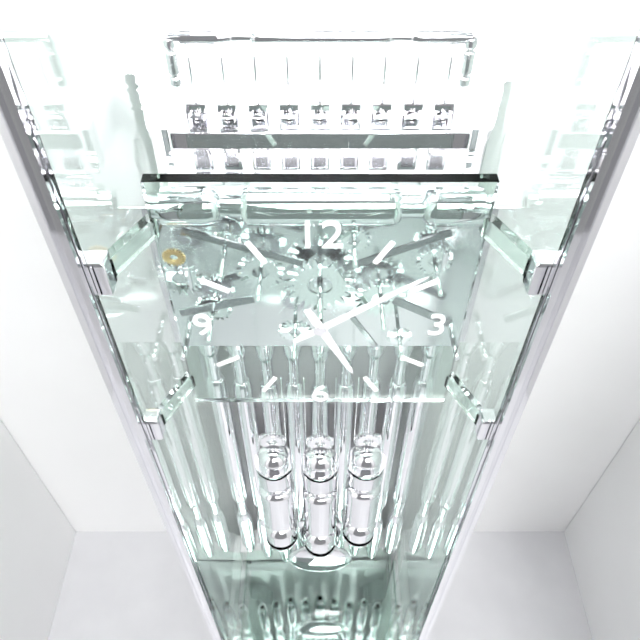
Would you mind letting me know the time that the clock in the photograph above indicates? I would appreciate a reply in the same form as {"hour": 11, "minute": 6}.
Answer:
{"hour": 5, "minute": 9}
